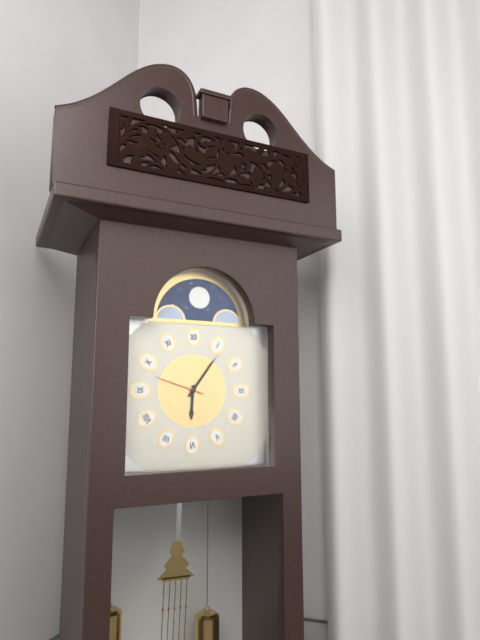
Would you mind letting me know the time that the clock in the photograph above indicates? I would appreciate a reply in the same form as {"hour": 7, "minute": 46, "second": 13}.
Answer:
{"hour": 6, "minute": 6, "second": 48}
